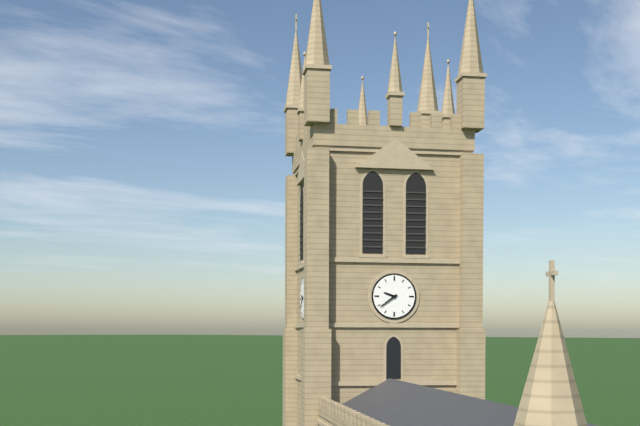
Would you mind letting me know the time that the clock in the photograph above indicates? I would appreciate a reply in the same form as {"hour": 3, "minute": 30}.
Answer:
{"hour": 9, "minute": 39}
